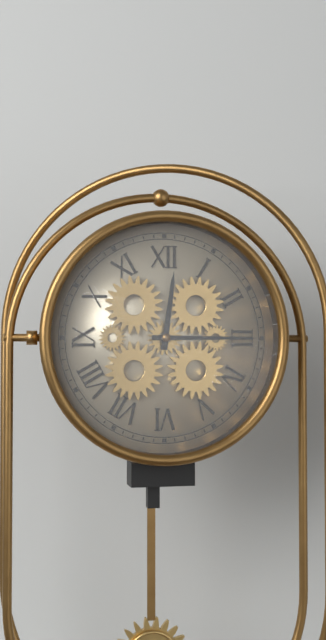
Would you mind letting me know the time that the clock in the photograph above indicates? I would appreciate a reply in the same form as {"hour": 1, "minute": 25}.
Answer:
{"hour": 12, "minute": 15}
